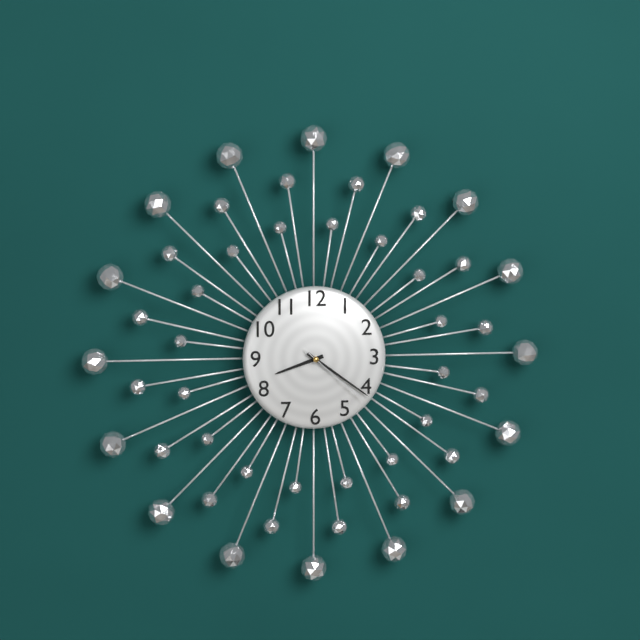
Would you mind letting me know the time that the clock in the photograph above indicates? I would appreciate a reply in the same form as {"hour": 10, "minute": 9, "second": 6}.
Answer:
{"hour": 8, "minute": 21, "second": 22}
